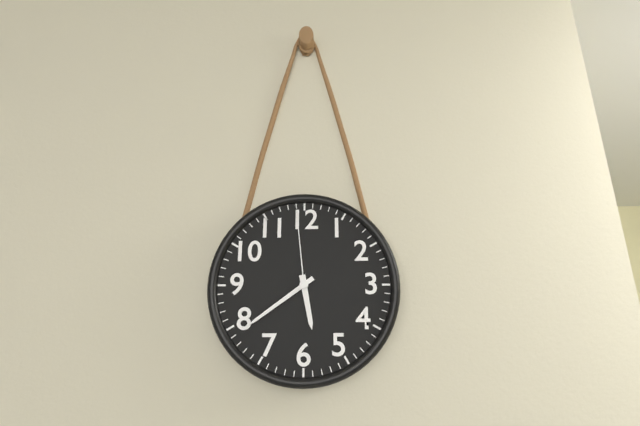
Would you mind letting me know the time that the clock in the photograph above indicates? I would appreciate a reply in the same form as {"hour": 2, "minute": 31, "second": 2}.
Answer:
{"hour": 5, "minute": 39, "second": 59}
